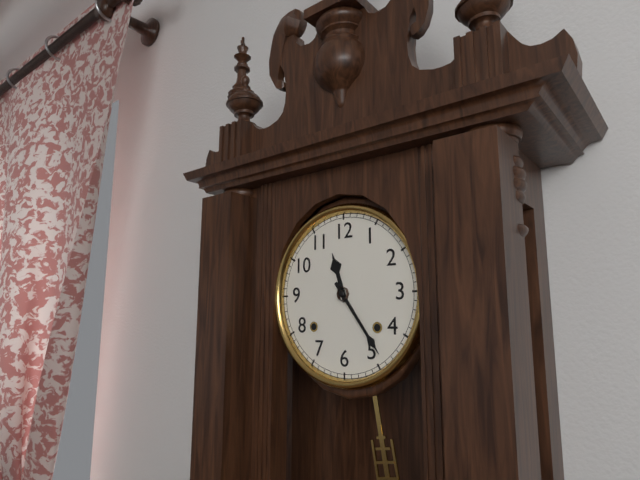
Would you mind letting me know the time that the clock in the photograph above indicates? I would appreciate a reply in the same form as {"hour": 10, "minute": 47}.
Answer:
{"hour": 11, "minute": 24}
